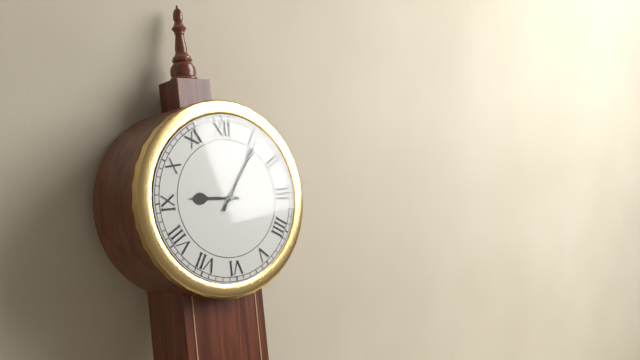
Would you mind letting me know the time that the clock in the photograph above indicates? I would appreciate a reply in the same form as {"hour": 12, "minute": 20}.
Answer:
{"hour": 9, "minute": 6}
